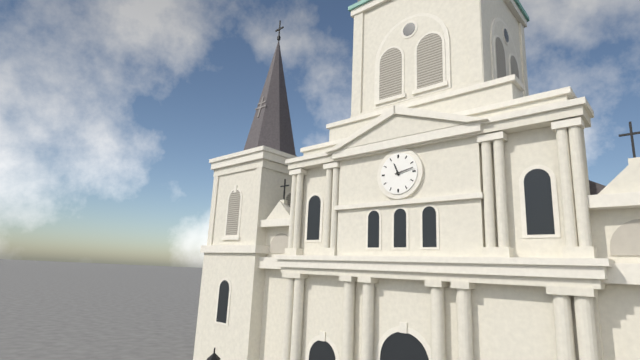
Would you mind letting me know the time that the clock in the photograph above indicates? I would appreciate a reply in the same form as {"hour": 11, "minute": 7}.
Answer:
{"hour": 11, "minute": 13}
